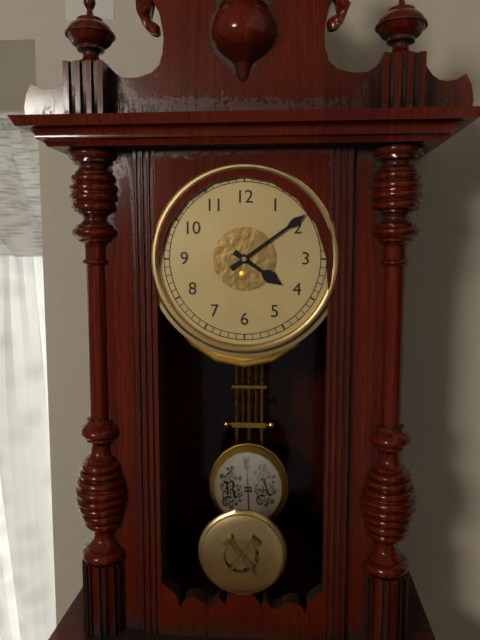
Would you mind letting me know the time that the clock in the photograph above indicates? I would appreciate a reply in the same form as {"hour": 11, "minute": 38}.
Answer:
{"hour": 4, "minute": 9}
